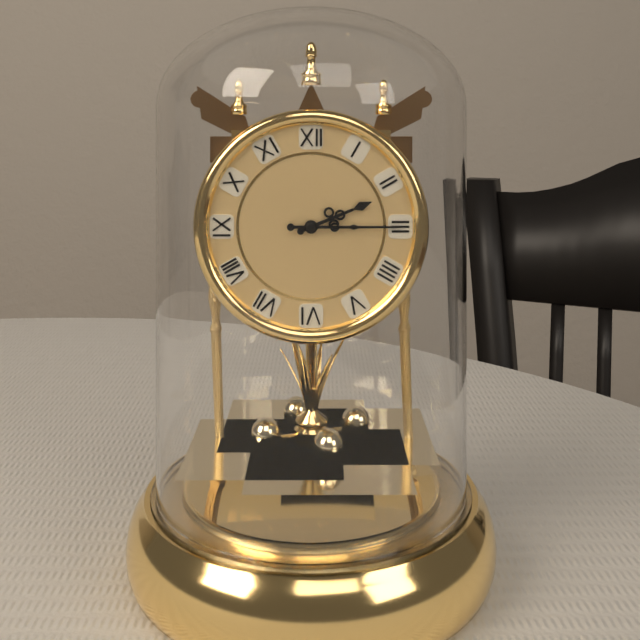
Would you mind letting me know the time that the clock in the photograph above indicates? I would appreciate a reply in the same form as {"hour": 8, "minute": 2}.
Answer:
{"hour": 2, "minute": 15}
